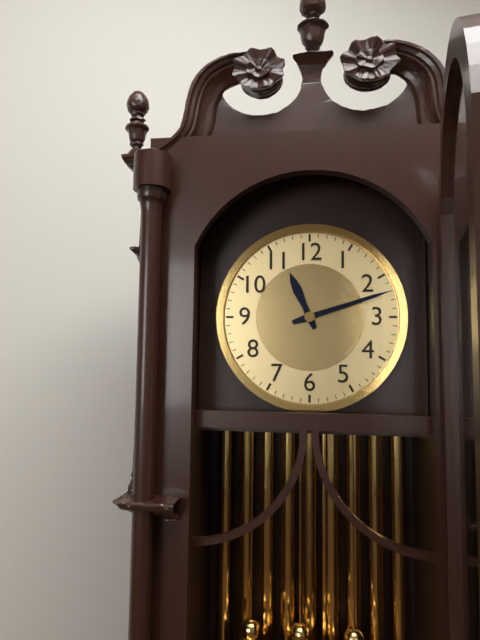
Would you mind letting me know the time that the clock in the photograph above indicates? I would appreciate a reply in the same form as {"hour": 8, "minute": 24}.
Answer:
{"hour": 11, "minute": 12}
